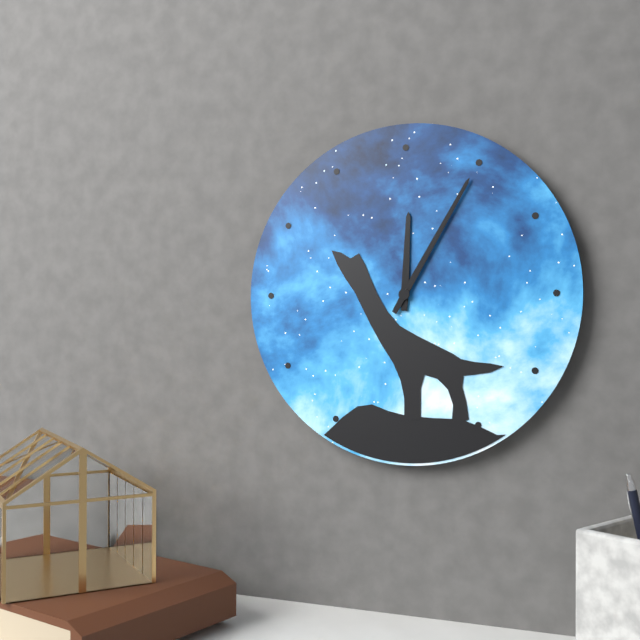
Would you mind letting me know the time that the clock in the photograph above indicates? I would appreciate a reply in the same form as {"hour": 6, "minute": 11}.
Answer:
{"hour": 12, "minute": 5}
